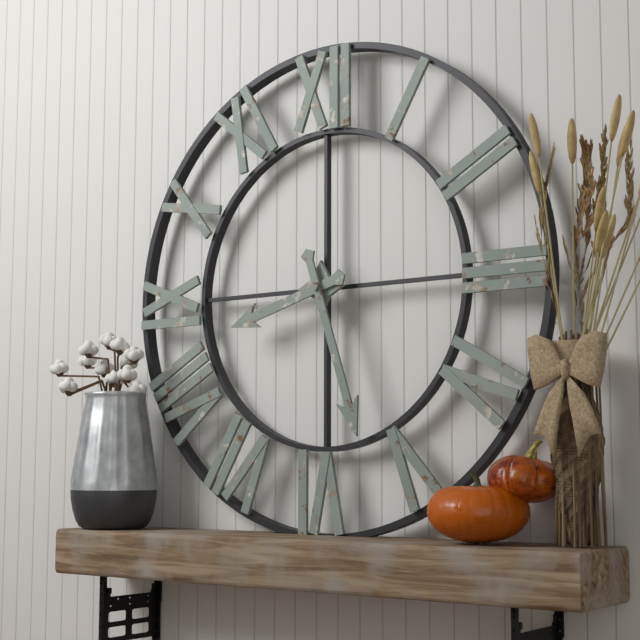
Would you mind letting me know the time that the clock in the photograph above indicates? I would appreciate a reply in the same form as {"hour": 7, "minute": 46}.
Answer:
{"hour": 8, "minute": 27}
